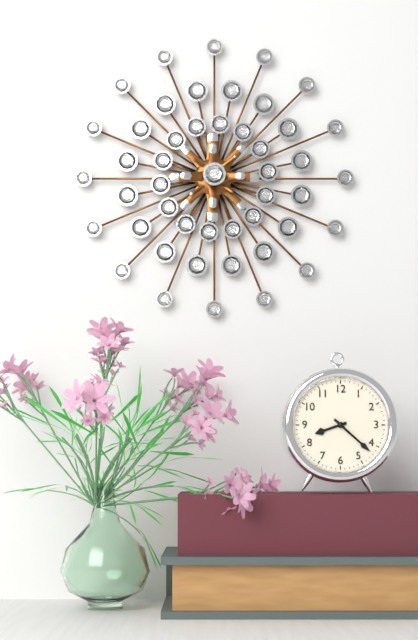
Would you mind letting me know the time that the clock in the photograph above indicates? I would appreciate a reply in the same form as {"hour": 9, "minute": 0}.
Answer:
{"hour": 8, "minute": 22}
